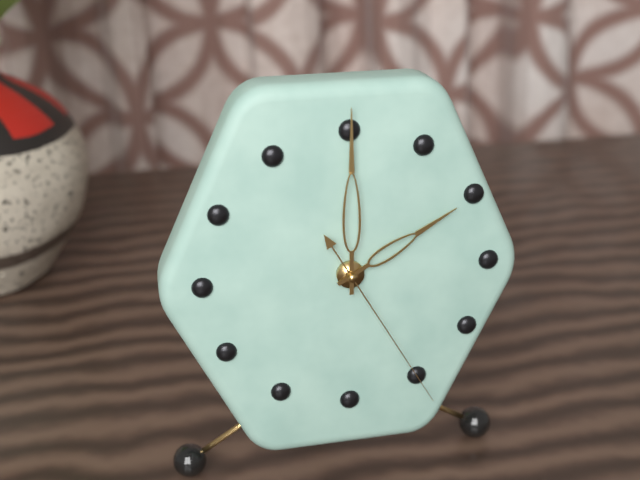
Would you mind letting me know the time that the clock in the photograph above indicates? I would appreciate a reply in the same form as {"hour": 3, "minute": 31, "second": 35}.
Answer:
{"hour": 2, "minute": 0, "second": 25}
